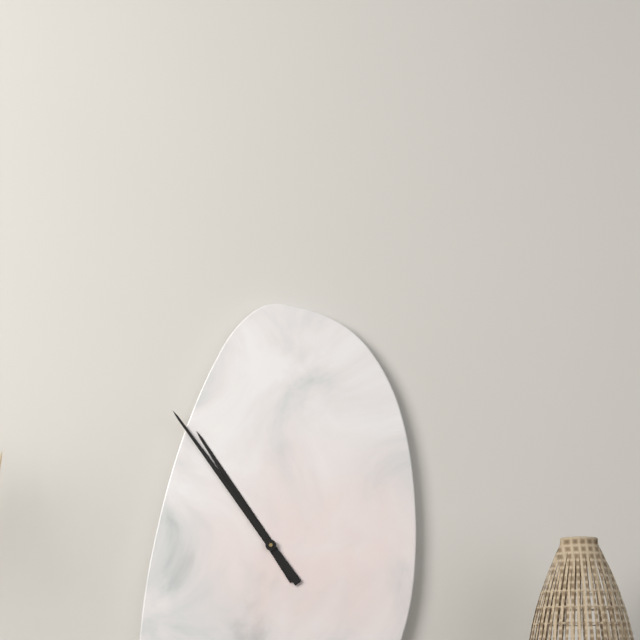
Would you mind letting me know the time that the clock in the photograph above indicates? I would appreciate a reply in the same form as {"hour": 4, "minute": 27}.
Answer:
{"hour": 10, "minute": 54}
